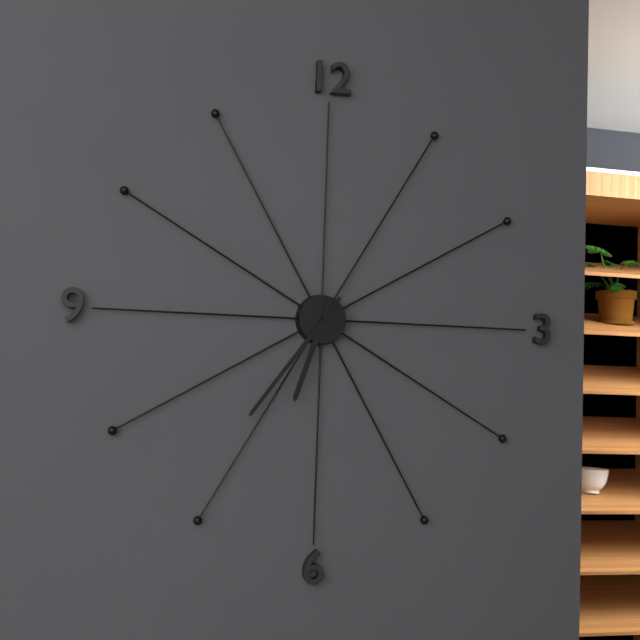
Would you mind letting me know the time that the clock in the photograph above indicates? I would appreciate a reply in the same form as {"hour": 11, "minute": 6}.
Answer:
{"hour": 6, "minute": 36}
